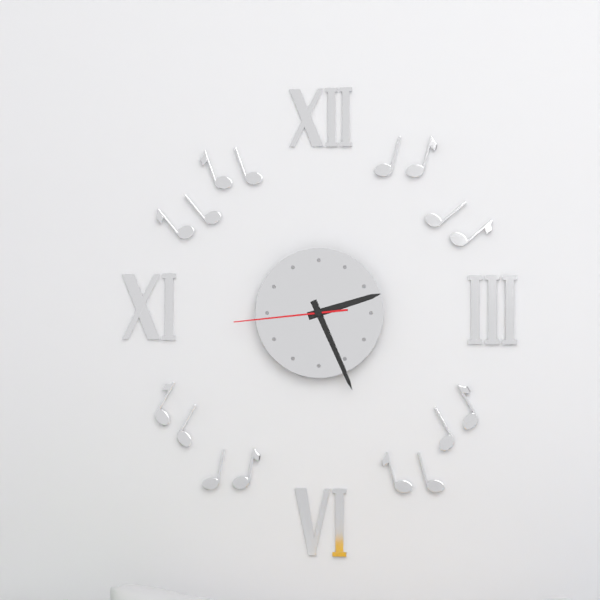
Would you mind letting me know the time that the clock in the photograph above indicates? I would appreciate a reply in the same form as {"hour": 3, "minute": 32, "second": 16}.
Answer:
{"hour": 2, "minute": 26, "second": 44}
